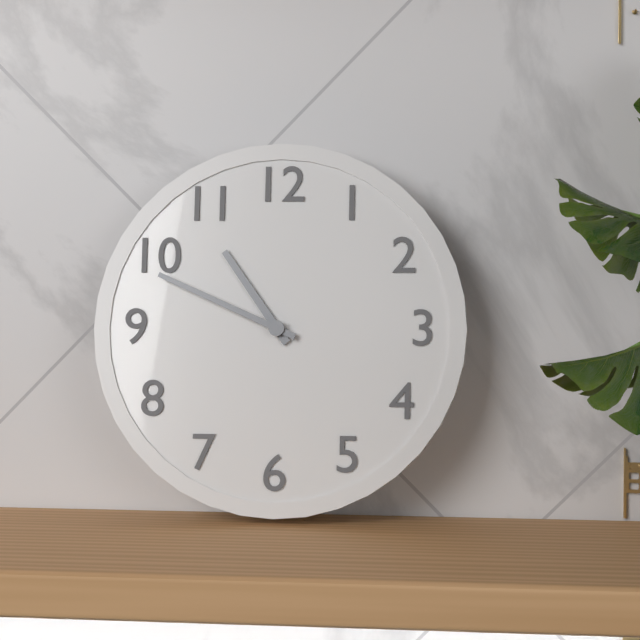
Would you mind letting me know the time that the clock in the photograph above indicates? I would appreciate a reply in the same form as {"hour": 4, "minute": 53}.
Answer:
{"hour": 10, "minute": 49}
